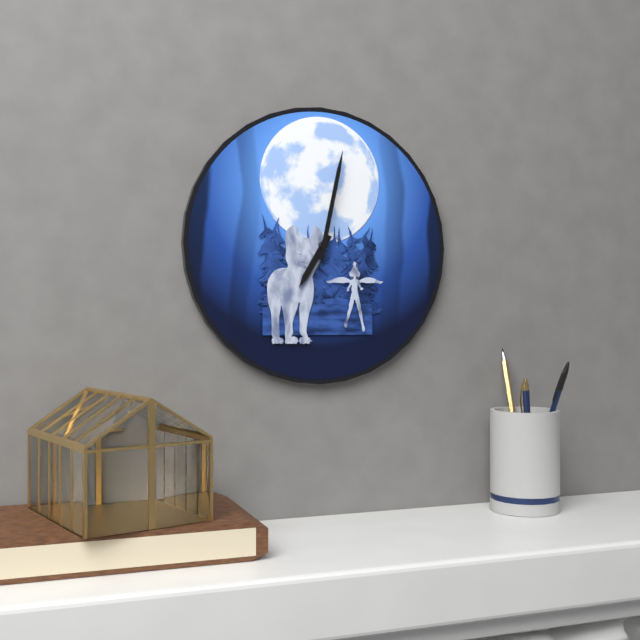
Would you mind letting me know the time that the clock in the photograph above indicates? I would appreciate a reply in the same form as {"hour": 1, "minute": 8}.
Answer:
{"hour": 7, "minute": 2}
